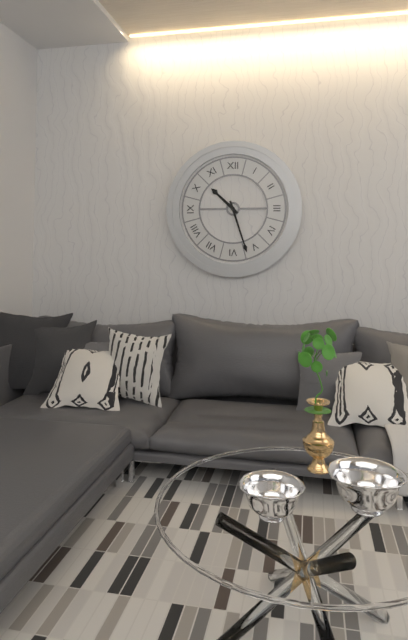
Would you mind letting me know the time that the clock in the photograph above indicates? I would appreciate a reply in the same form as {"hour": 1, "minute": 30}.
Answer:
{"hour": 10, "minute": 27}
